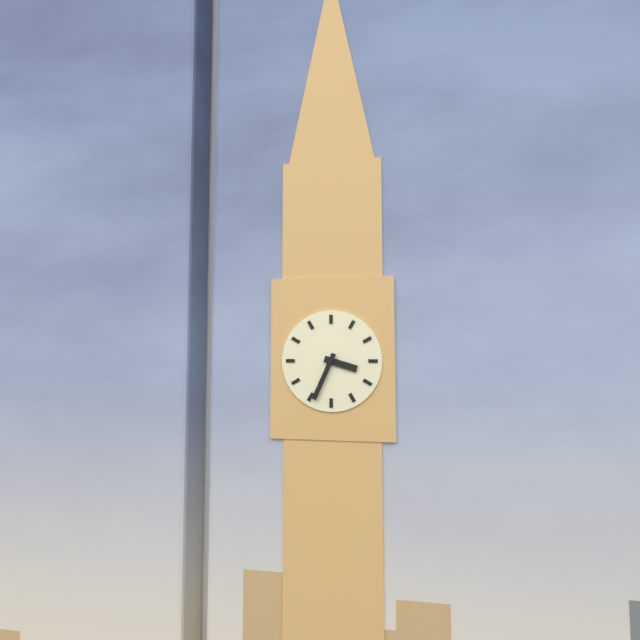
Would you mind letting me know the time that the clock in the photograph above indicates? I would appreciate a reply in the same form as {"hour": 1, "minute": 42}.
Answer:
{"hour": 3, "minute": 34}
